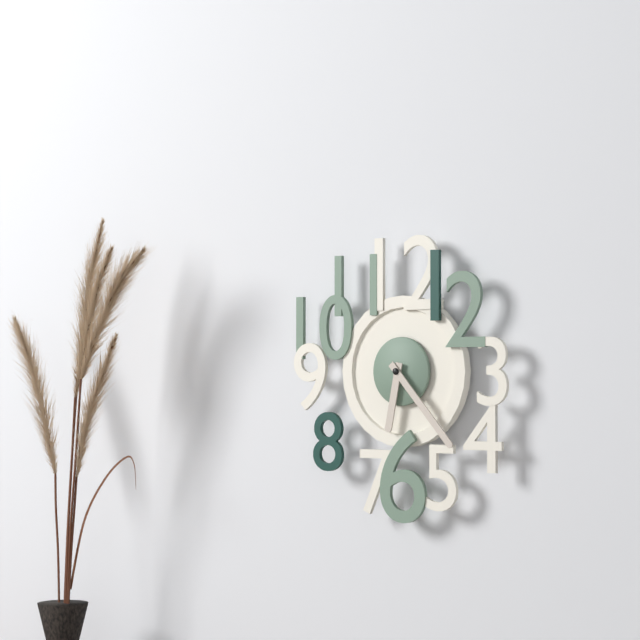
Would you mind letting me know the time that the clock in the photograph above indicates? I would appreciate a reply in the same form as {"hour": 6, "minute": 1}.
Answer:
{"hour": 6, "minute": 23}
